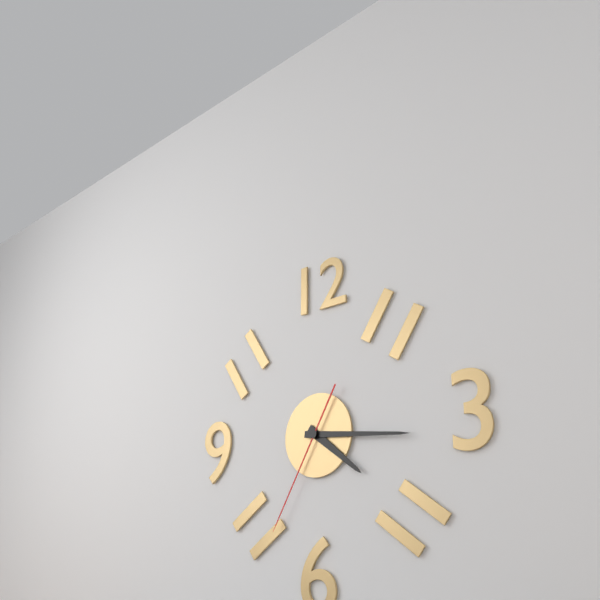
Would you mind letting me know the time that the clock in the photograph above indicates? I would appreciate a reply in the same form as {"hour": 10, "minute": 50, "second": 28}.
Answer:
{"hour": 4, "minute": 16, "second": 35}
